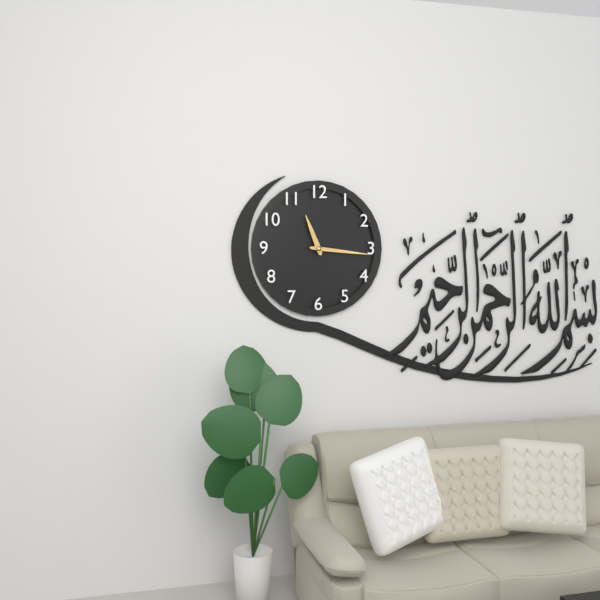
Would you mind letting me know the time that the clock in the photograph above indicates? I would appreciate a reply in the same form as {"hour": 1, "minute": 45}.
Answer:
{"hour": 11, "minute": 16}
